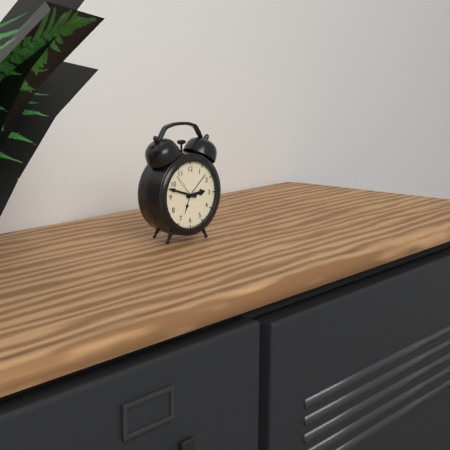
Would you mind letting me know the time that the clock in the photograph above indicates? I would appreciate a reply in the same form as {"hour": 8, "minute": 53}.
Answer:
{"hour": 2, "minute": 48}
